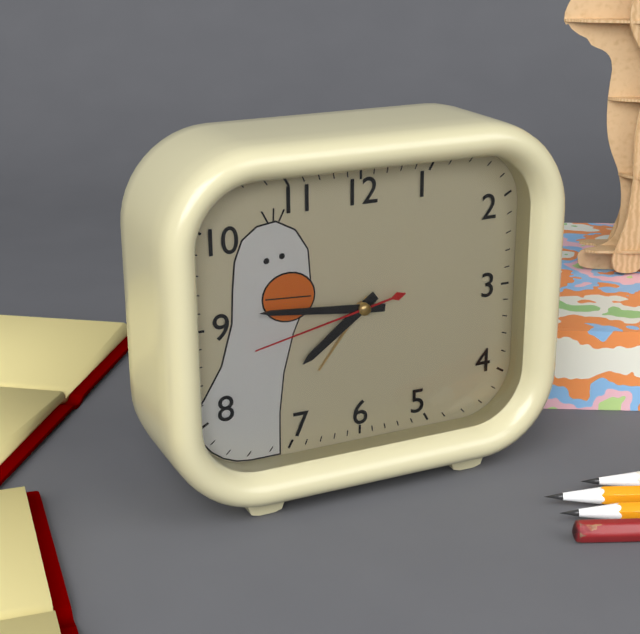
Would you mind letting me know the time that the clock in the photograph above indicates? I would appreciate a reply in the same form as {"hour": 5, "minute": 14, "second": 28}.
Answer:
{"hour": 7, "minute": 46, "second": 43}
